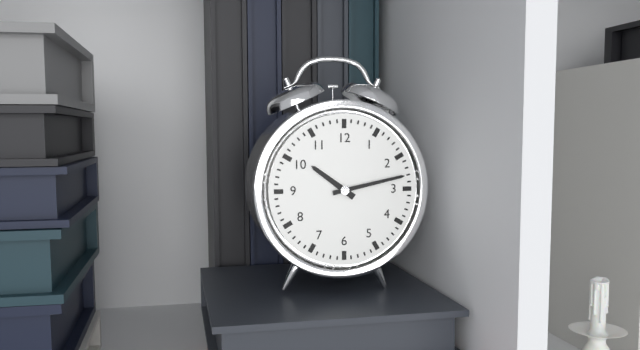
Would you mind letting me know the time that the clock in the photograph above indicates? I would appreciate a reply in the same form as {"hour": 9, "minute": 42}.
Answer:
{"hour": 10, "minute": 13}
